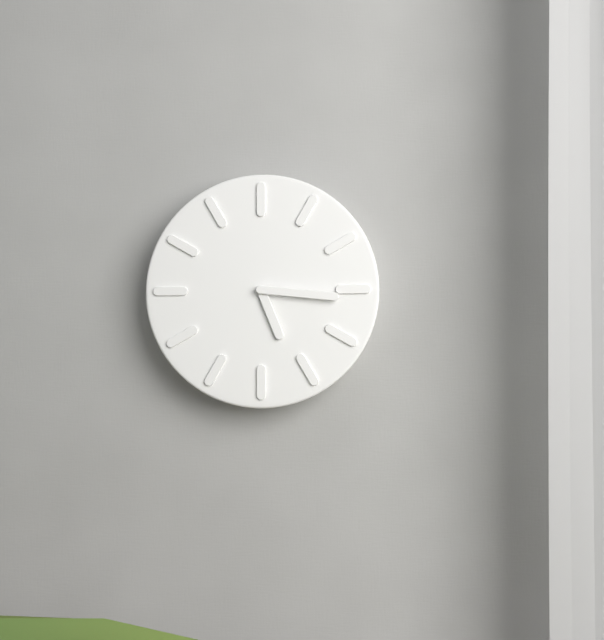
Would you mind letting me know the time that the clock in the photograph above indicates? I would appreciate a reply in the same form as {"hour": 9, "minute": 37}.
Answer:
{"hour": 5, "minute": 16}
